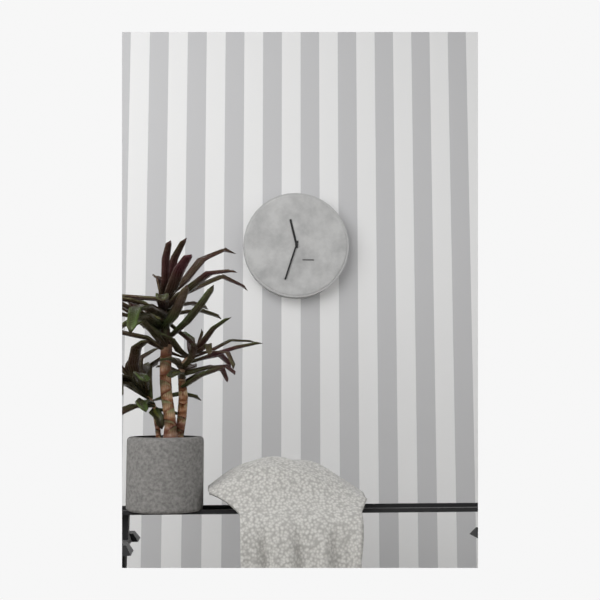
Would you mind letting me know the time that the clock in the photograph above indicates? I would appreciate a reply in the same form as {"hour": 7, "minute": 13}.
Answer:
{"hour": 11, "minute": 33}
